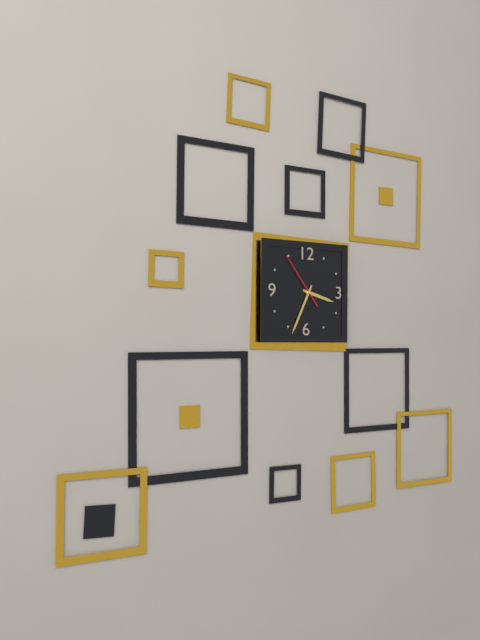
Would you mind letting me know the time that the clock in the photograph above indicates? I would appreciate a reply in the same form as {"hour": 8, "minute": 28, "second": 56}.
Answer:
{"hour": 3, "minute": 34, "second": 54}
